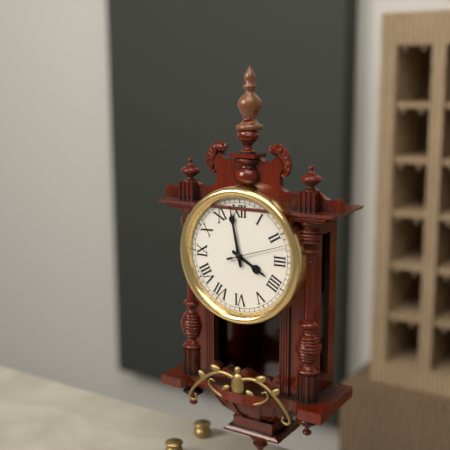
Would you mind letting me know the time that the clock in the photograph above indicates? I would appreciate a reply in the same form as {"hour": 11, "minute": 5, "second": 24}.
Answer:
{"hour": 3, "minute": 58, "second": 12}
